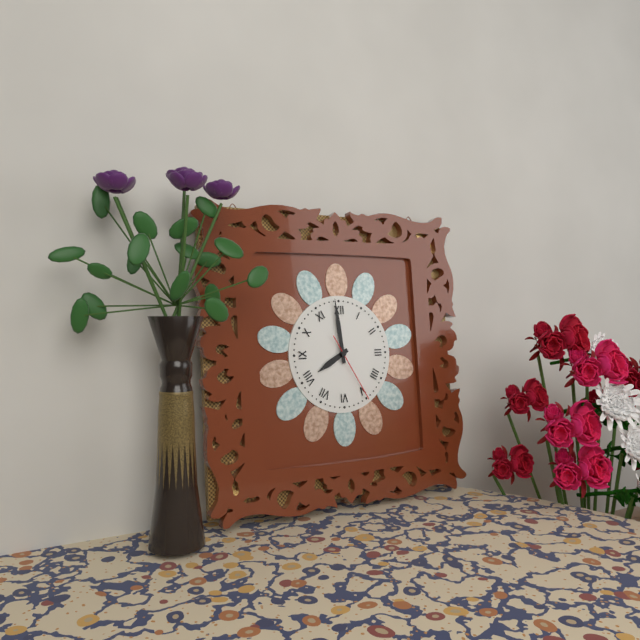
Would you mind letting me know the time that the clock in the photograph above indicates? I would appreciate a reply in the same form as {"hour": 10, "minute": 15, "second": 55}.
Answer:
{"hour": 7, "minute": 59, "second": 25}
